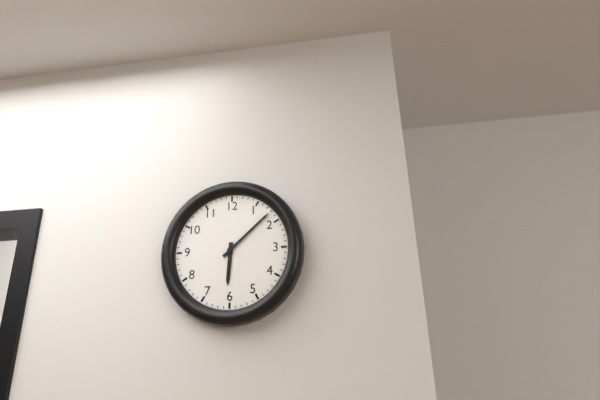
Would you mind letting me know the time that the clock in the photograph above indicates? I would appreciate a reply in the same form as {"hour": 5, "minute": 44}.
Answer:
{"hour": 6, "minute": 8}
